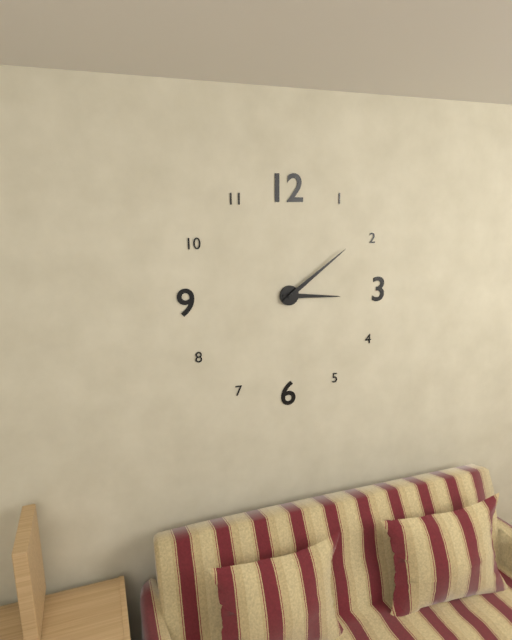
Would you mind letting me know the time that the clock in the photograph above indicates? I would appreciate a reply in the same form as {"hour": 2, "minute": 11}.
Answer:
{"hour": 3, "minute": 9}
